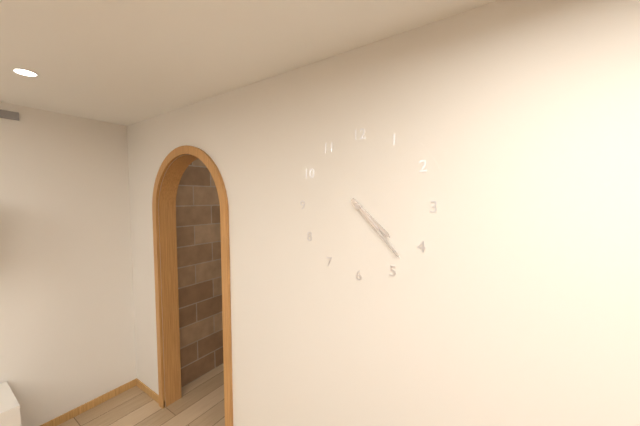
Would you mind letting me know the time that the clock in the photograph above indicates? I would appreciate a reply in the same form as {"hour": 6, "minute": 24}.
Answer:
{"hour": 4, "minute": 23}
